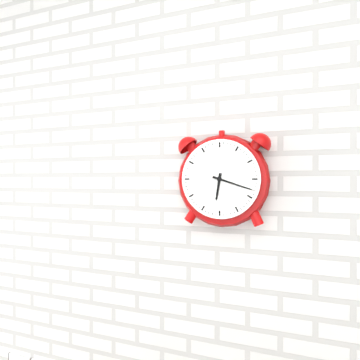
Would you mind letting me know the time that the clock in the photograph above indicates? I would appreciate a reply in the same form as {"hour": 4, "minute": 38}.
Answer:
{"hour": 6, "minute": 18}
